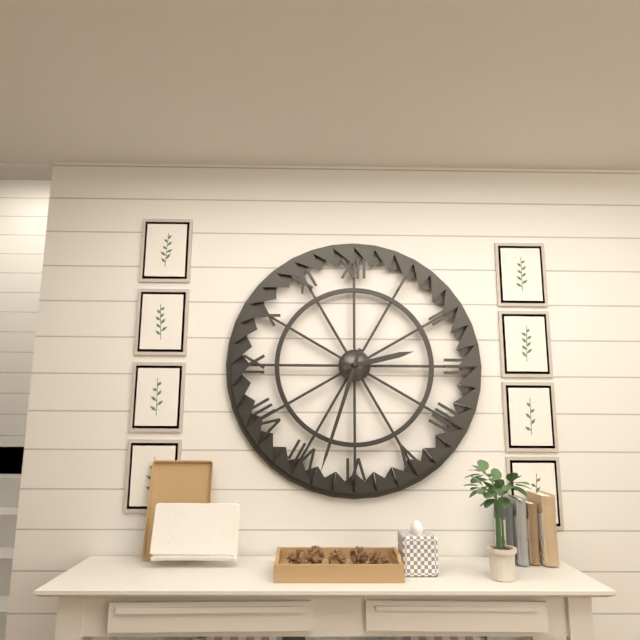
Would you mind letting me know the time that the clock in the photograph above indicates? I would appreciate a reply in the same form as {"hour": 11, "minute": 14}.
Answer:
{"hour": 2, "minute": 33}
